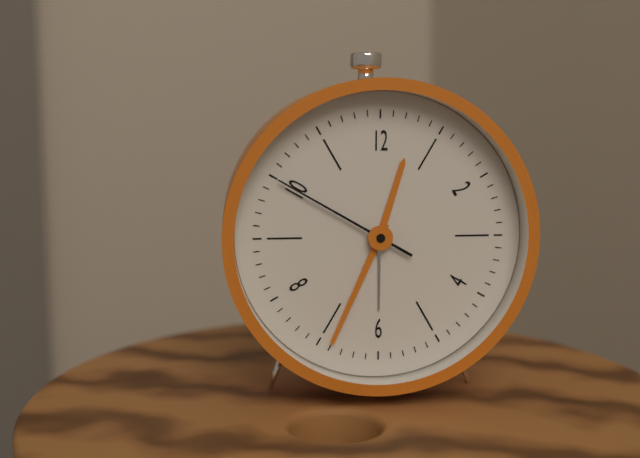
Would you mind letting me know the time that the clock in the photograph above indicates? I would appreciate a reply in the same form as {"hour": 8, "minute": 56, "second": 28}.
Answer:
{"hour": 12, "minute": 34, "second": 50}
